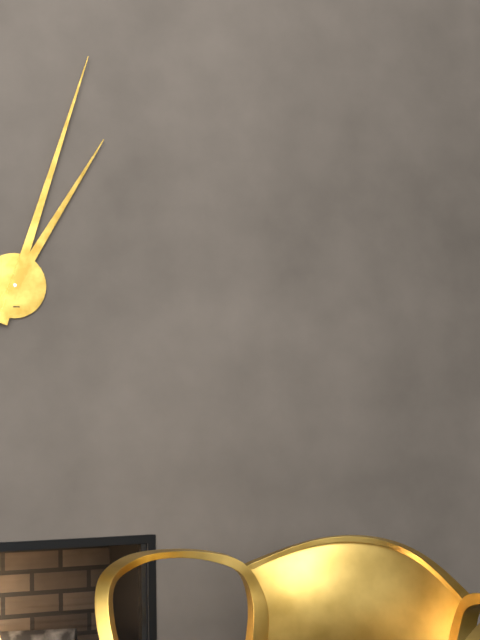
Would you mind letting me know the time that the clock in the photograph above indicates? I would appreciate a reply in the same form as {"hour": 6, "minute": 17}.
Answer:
{"hour": 1, "minute": 3}
